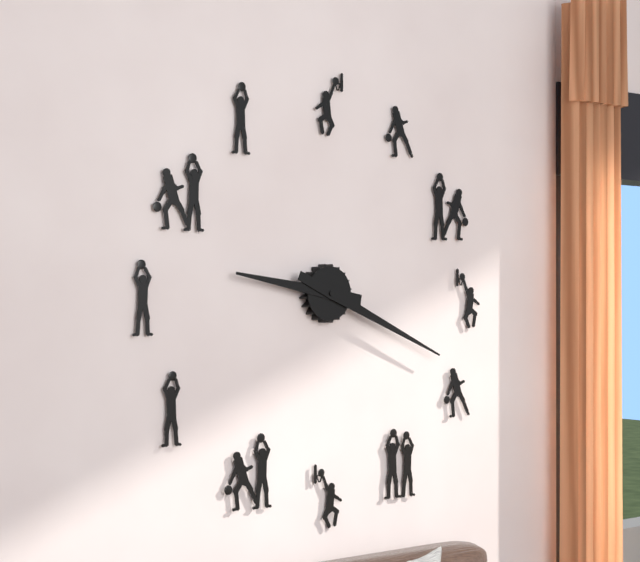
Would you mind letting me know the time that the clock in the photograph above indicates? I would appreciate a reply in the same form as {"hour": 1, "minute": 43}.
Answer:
{"hour": 9, "minute": 19}
